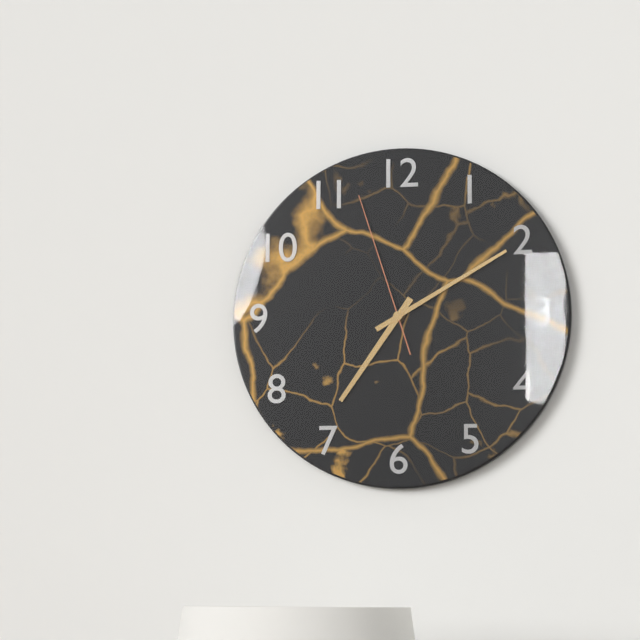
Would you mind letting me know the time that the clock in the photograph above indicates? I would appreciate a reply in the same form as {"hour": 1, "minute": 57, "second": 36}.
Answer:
{"hour": 7, "minute": 10, "second": 57}
